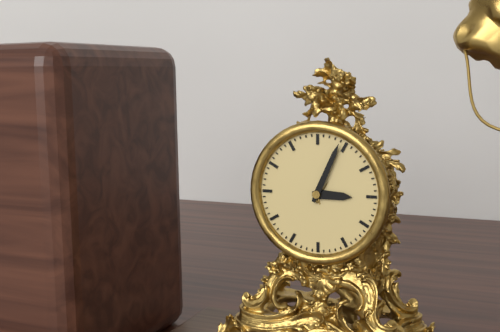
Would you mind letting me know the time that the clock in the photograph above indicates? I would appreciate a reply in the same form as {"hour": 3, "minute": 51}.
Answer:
{"hour": 3, "minute": 4}
